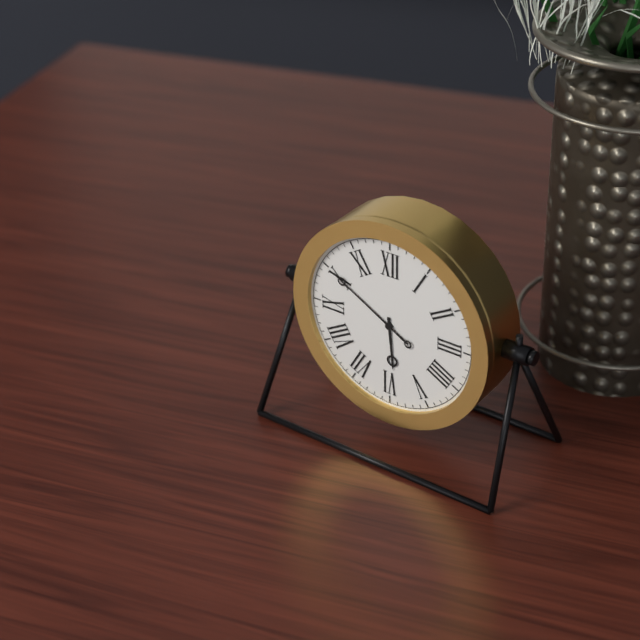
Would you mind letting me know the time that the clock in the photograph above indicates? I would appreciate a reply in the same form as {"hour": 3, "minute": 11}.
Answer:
{"hour": 5, "minute": 50}
